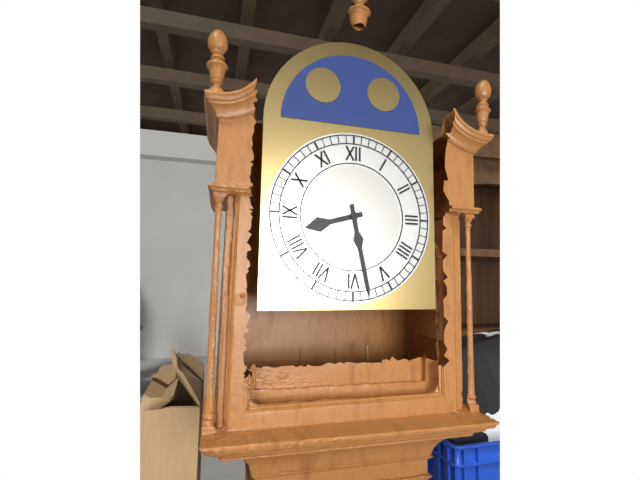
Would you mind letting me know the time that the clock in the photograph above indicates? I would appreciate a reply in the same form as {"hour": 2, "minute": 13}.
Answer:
{"hour": 8, "minute": 28}
